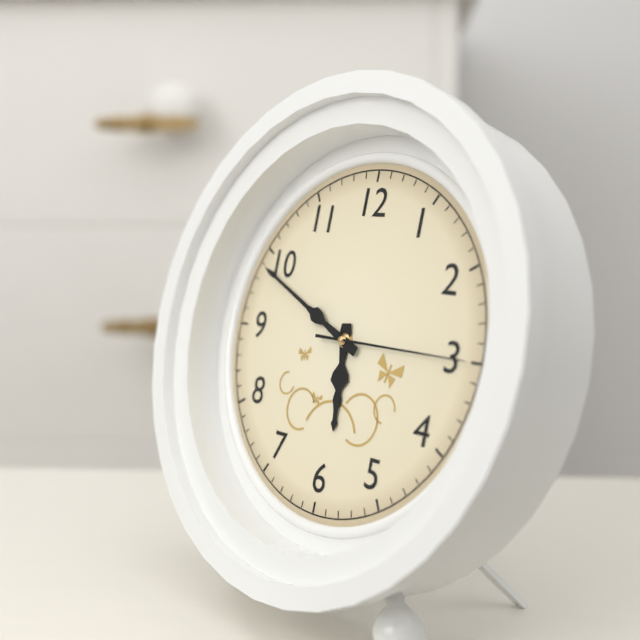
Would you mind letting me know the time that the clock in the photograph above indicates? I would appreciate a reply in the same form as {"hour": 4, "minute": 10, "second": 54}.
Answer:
{"hour": 5, "minute": 49, "second": 15}
